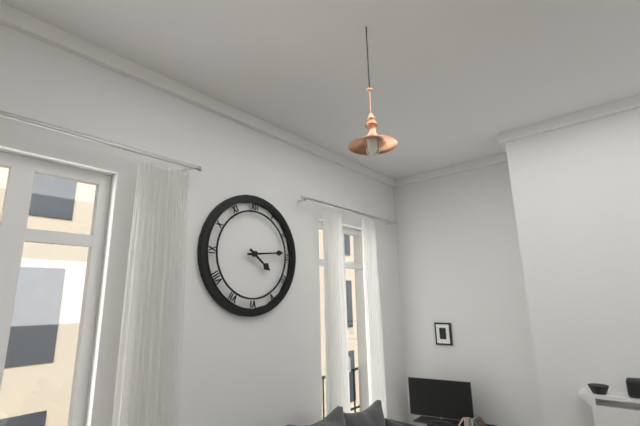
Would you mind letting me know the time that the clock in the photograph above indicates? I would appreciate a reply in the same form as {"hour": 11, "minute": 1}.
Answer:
{"hour": 4, "minute": 14}
